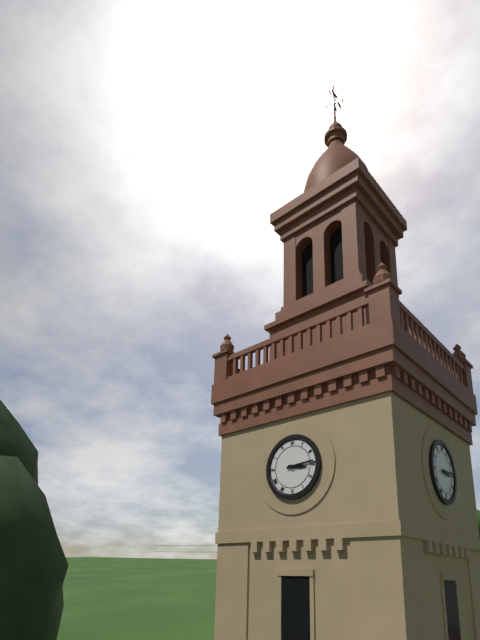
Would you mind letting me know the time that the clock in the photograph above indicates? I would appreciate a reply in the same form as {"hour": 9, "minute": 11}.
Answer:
{"hour": 3, "minute": 14}
